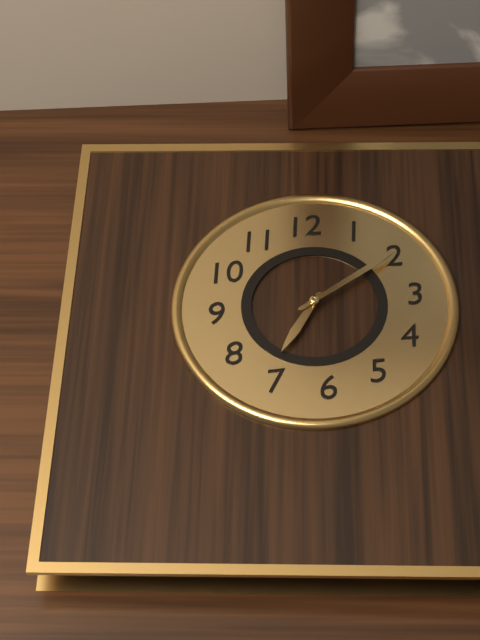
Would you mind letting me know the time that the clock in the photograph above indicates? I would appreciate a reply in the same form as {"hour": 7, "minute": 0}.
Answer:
{"hour": 7, "minute": 10}
